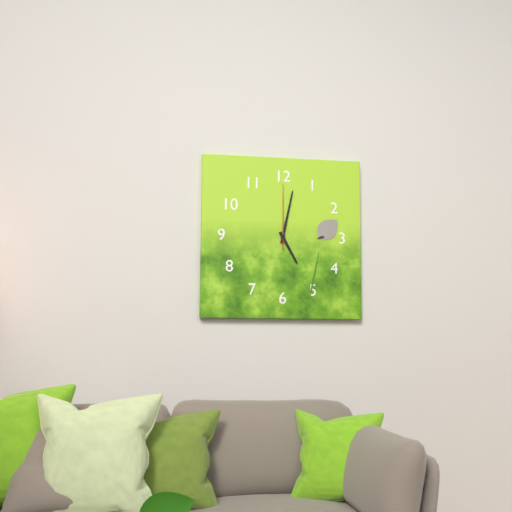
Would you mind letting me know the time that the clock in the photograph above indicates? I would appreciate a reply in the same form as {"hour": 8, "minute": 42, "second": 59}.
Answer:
{"hour": 5, "minute": 2, "second": 0}
